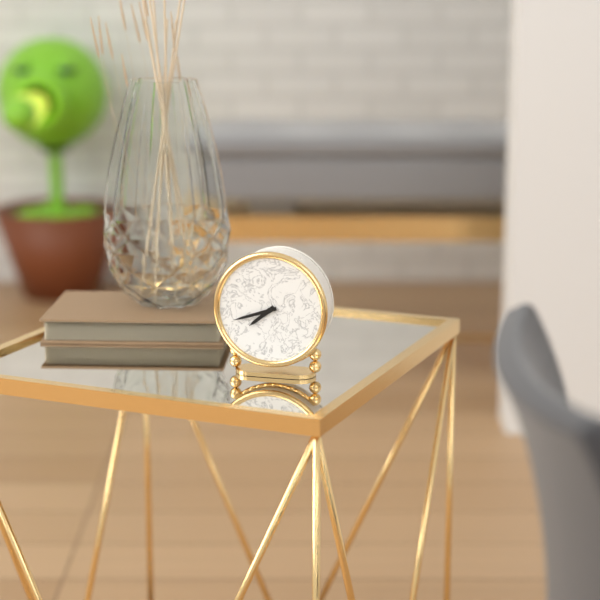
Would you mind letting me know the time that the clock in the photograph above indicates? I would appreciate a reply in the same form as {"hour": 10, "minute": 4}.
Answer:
{"hour": 7, "minute": 42}
